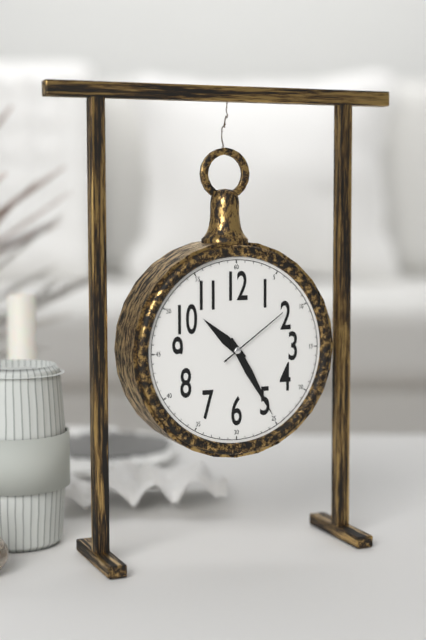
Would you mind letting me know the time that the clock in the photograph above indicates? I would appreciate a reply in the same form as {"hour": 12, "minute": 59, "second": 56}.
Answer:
{"hour": 10, "minute": 25, "second": 9}
